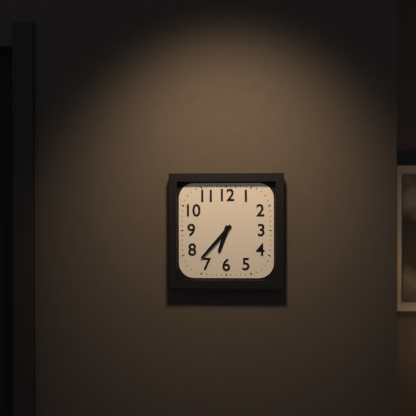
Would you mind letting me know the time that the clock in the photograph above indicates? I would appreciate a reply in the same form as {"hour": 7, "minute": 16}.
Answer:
{"hour": 6, "minute": 37}
